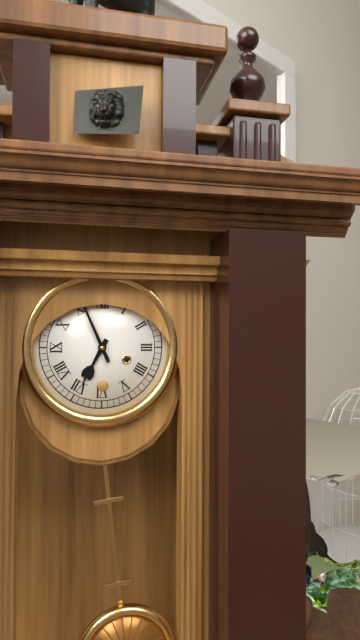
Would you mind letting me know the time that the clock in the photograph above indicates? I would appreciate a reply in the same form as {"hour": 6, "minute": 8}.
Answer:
{"hour": 6, "minute": 56}
